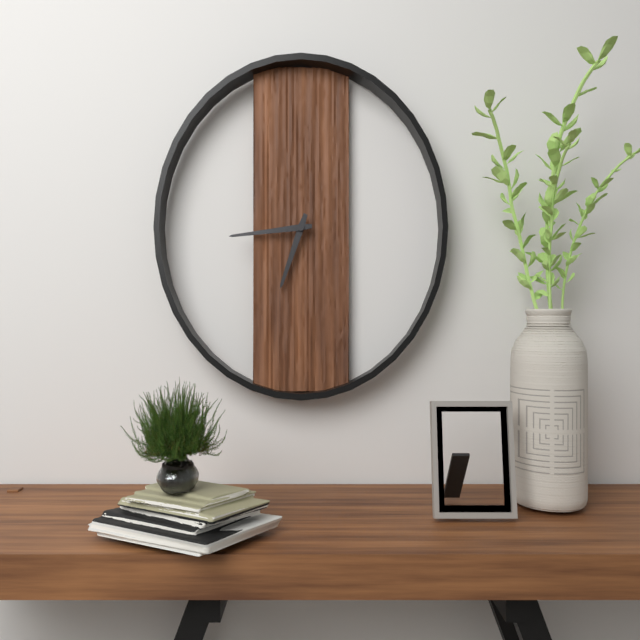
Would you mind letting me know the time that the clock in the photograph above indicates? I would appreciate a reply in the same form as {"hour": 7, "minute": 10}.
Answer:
{"hour": 6, "minute": 44}
